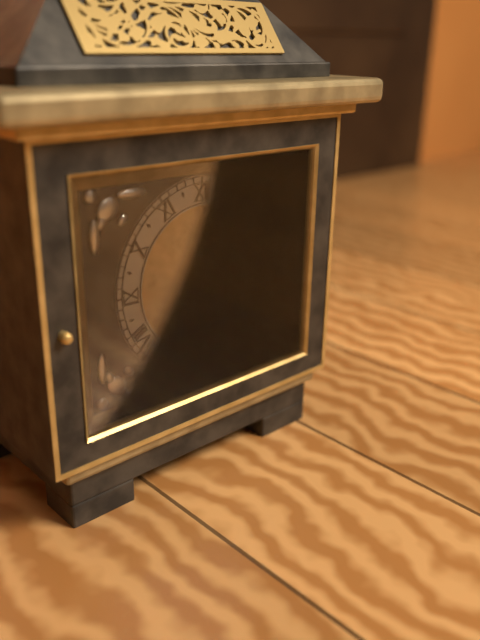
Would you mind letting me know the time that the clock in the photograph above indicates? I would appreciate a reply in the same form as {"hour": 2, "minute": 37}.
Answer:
{"hour": 1, "minute": 7}
